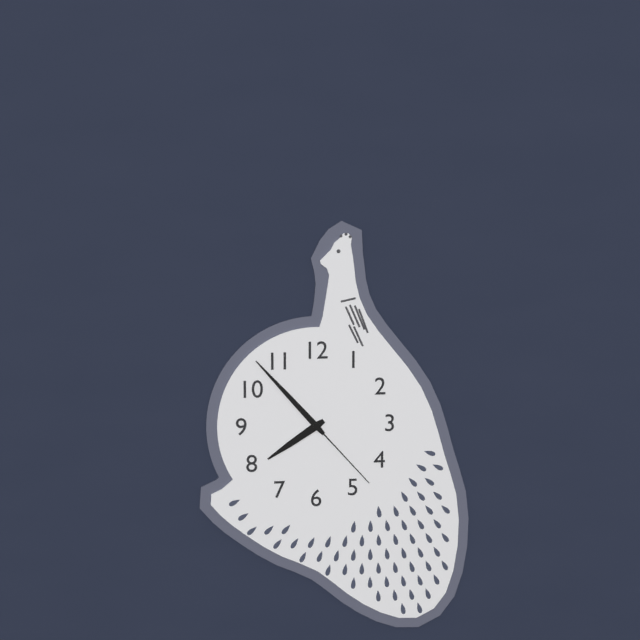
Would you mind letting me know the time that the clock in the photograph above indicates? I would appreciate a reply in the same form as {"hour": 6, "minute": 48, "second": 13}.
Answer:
{"hour": 7, "minute": 53, "second": 23}
